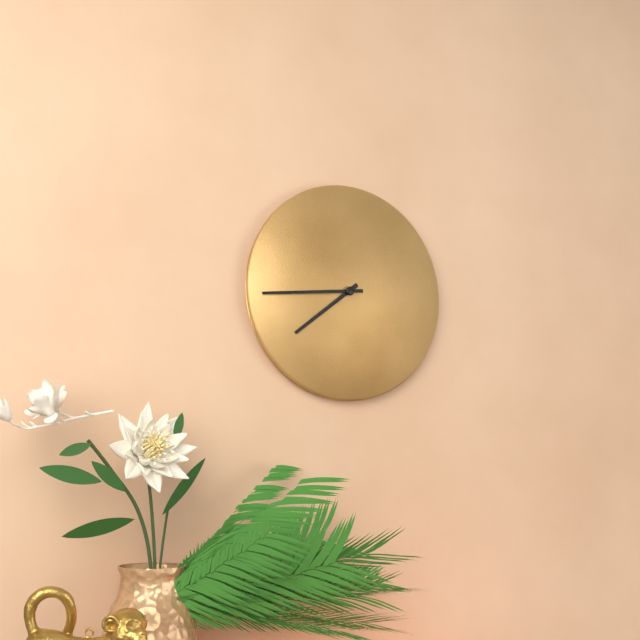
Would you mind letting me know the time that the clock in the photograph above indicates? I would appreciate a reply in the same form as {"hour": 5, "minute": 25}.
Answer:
{"hour": 7, "minute": 44}
